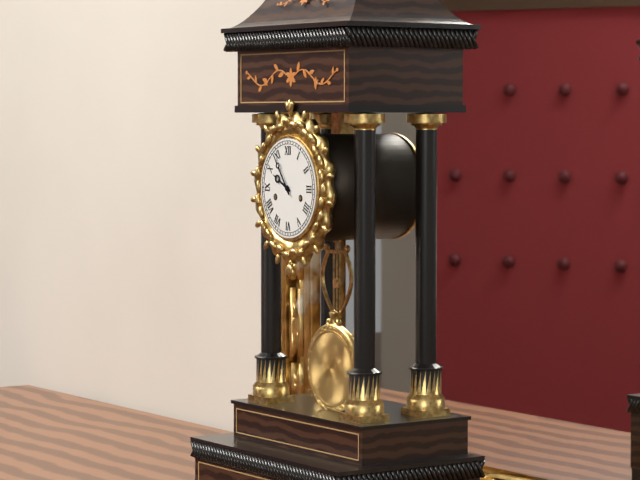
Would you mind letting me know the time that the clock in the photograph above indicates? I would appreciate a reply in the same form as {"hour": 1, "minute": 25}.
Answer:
{"hour": 9, "minute": 54}
